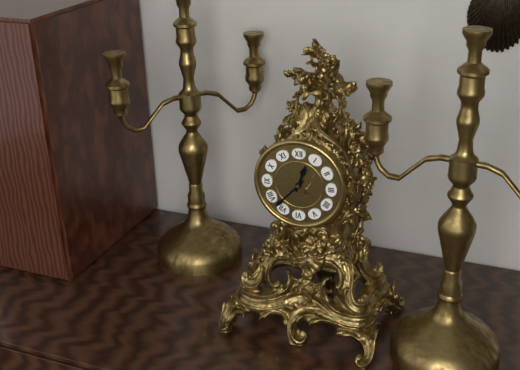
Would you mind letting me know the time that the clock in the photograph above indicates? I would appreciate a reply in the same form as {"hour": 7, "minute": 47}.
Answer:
{"hour": 12, "minute": 37}
